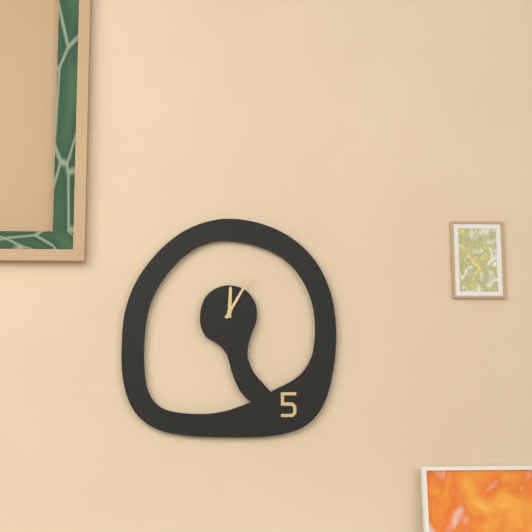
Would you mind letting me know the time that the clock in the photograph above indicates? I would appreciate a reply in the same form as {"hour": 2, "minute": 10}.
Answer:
{"hour": 12, "minute": 5}
